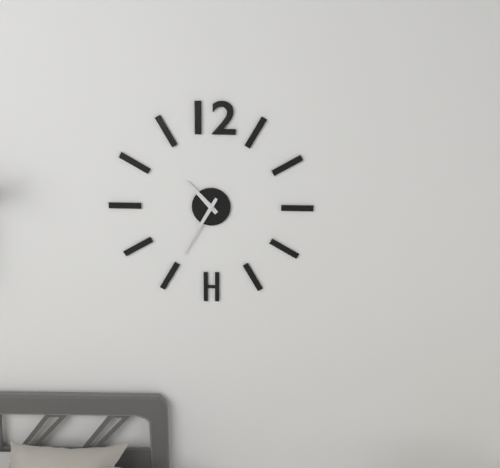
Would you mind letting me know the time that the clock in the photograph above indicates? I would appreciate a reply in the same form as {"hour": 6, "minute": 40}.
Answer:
{"hour": 10, "minute": 35}
